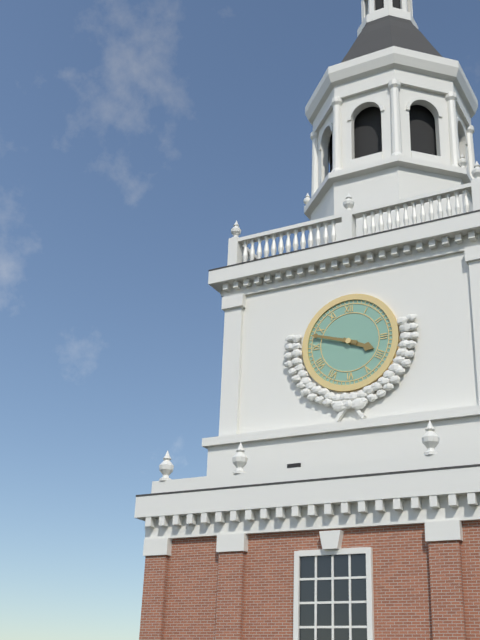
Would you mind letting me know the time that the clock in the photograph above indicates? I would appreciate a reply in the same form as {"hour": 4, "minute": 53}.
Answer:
{"hour": 3, "minute": 48}
